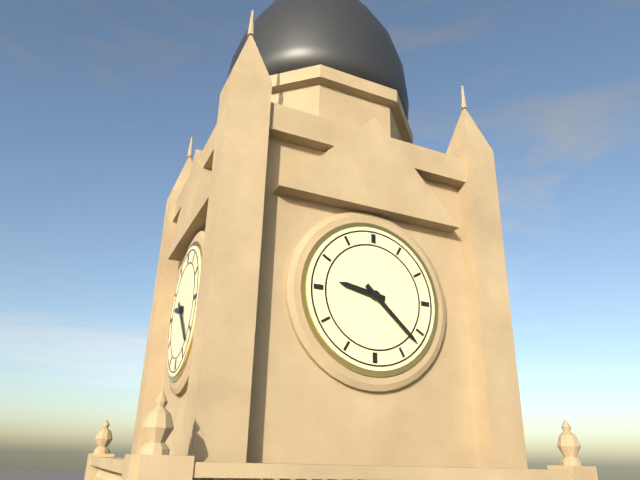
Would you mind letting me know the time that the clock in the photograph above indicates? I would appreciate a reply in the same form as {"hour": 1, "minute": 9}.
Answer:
{"hour": 9, "minute": 22}
